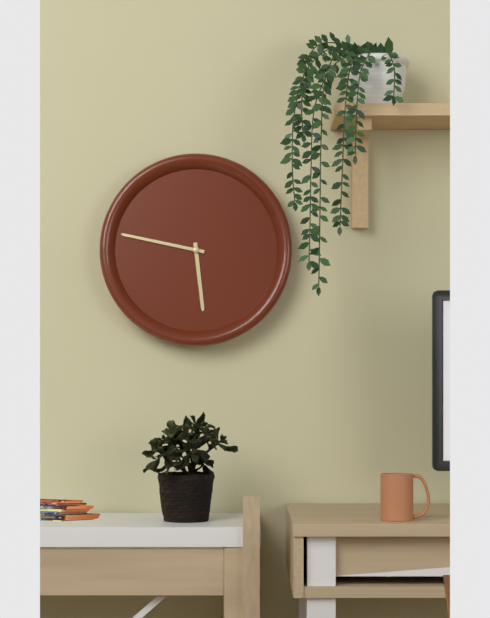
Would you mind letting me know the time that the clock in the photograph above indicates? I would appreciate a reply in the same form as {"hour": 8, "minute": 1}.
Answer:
{"hour": 5, "minute": 47}
